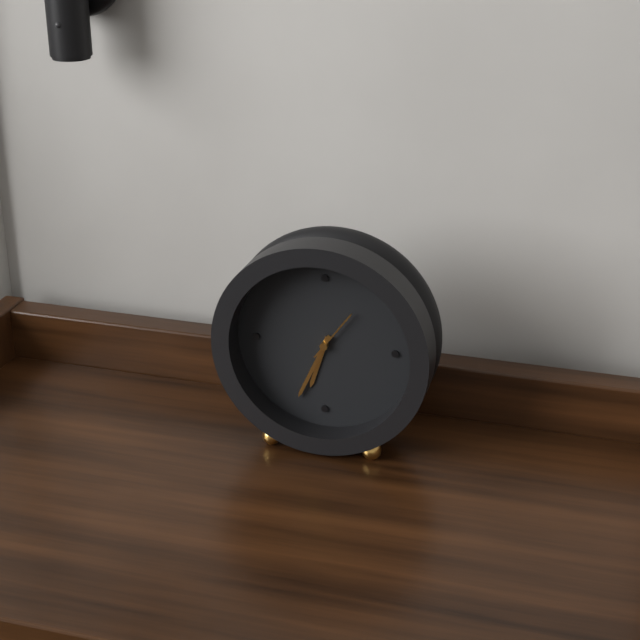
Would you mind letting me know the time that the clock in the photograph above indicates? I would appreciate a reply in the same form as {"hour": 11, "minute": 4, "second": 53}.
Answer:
{"hour": 6, "minute": 34, "second": 6}
